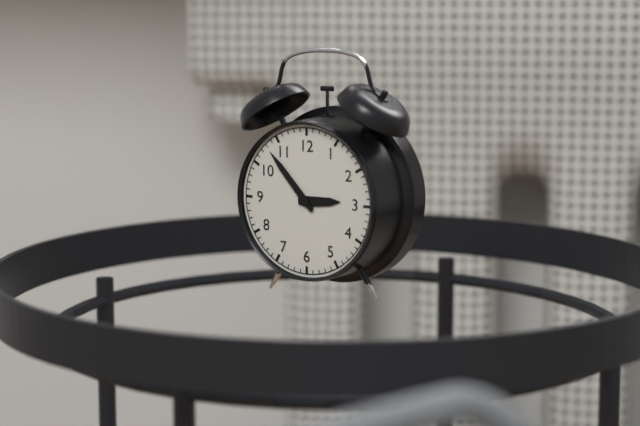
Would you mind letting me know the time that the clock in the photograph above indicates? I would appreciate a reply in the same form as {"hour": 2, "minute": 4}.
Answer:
{"hour": 2, "minute": 53}
